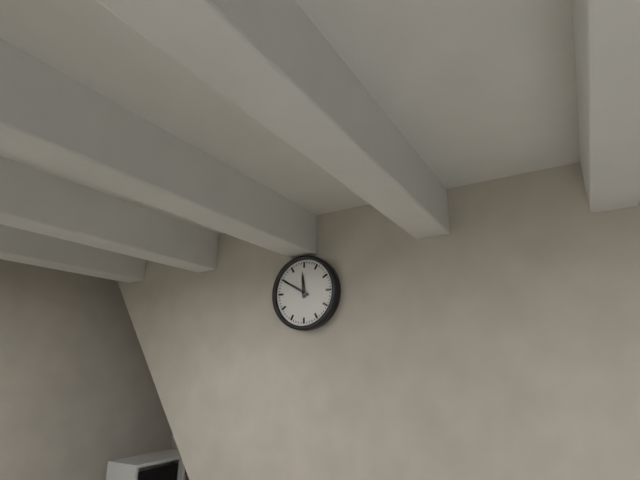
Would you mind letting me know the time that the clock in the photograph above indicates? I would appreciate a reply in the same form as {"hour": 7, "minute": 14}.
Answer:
{"hour": 11, "minute": 50}
